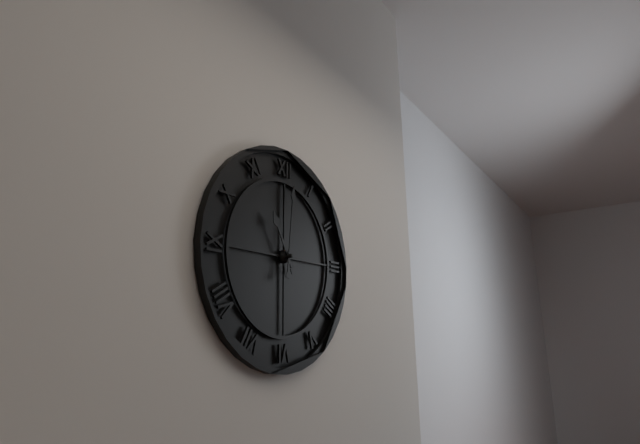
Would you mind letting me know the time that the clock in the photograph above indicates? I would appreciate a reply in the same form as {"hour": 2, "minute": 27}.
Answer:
{"hour": 11, "minute": 1}
